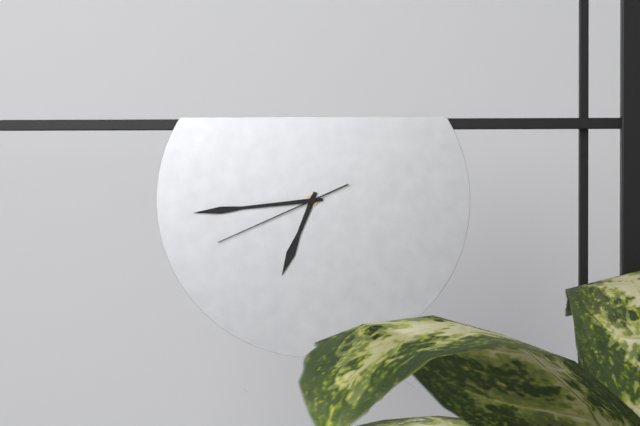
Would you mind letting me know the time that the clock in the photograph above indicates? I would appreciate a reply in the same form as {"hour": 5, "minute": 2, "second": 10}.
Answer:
{"hour": 6, "minute": 44, "second": 41}
